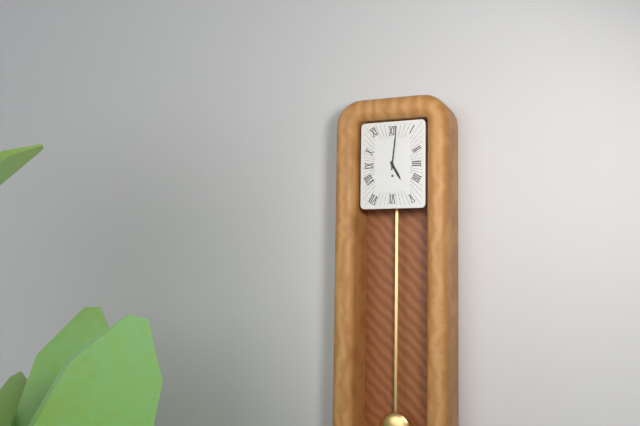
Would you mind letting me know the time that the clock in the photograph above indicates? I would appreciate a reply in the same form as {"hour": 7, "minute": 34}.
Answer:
{"hour": 5, "minute": 1}
